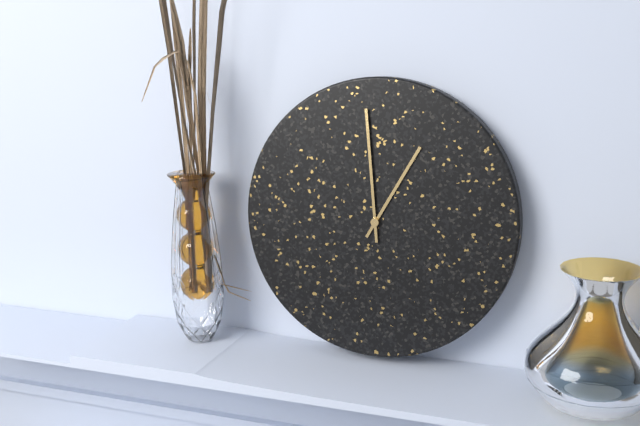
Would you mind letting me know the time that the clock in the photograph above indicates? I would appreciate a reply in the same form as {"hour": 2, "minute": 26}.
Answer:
{"hour": 12, "minute": 59}
